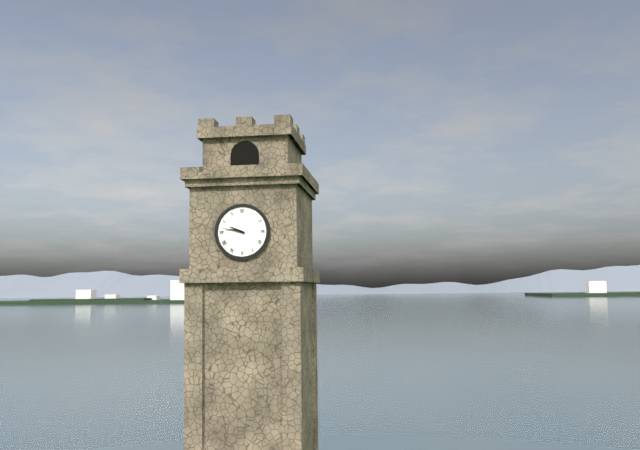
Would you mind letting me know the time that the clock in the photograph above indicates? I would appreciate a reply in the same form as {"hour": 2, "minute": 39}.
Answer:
{"hour": 9, "minute": 47}
